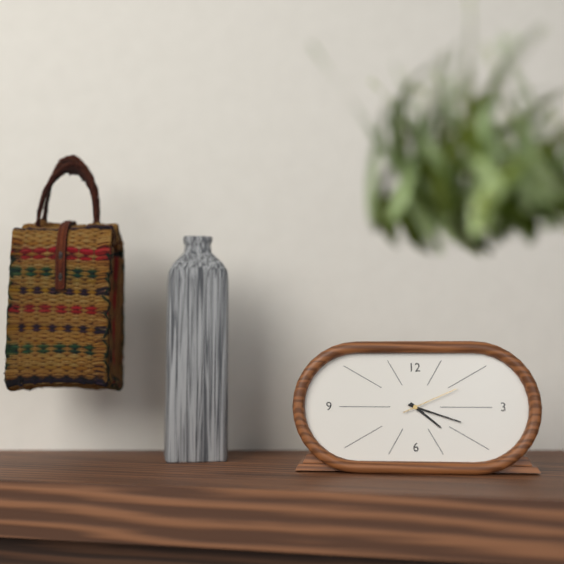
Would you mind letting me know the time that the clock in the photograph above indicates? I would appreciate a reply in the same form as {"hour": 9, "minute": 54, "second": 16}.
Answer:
{"hour": 4, "minute": 18, "second": 11}
